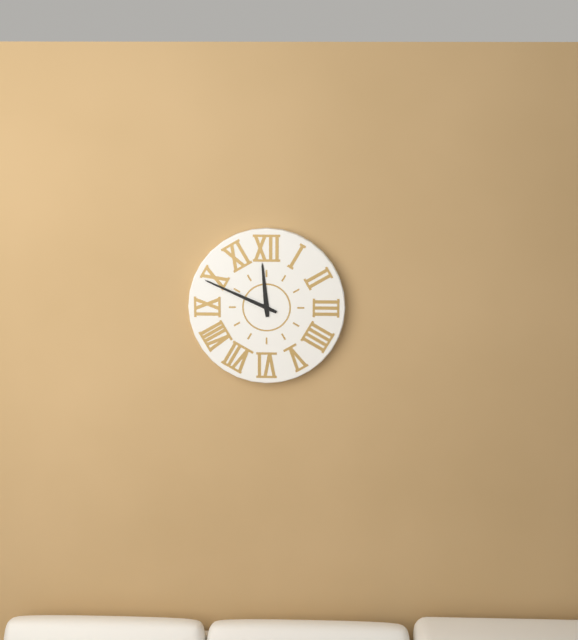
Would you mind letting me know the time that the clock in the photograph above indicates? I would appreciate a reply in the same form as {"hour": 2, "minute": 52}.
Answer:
{"hour": 11, "minute": 49}
